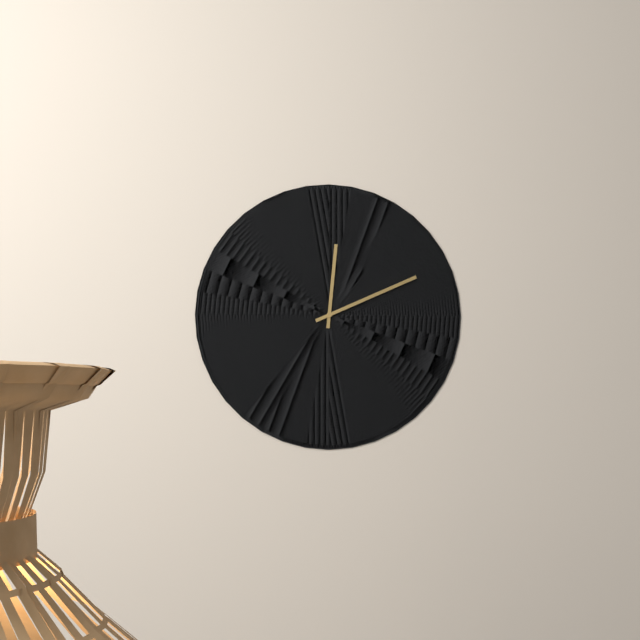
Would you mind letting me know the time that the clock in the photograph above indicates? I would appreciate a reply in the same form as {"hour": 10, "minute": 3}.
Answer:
{"hour": 12, "minute": 11}
